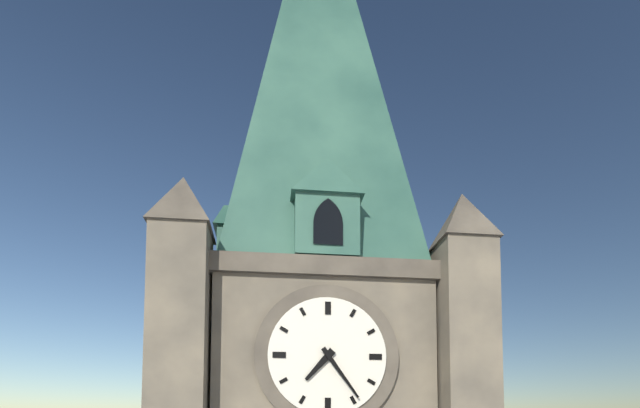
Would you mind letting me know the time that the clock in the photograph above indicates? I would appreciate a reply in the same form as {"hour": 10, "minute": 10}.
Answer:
{"hour": 7, "minute": 24}
